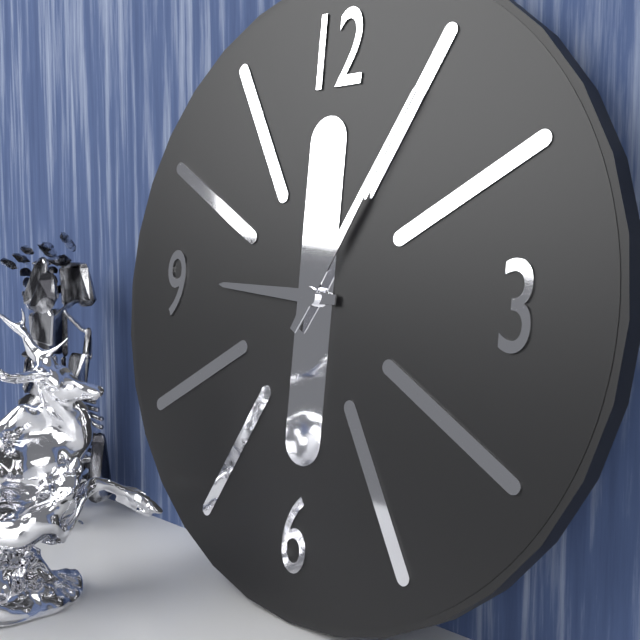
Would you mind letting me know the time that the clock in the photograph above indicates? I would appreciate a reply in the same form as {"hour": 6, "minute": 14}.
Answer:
{"hour": 9, "minute": 5}
